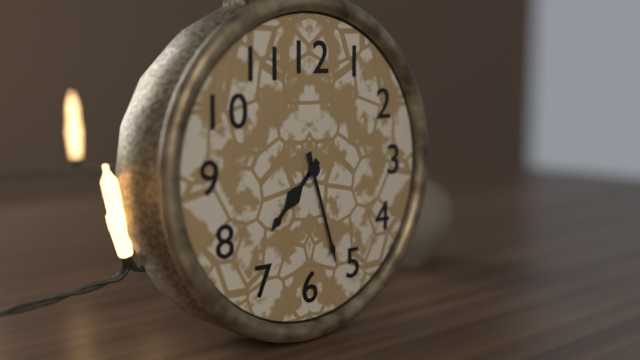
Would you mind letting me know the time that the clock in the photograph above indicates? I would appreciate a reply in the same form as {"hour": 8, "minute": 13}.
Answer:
{"hour": 7, "minute": 27}
